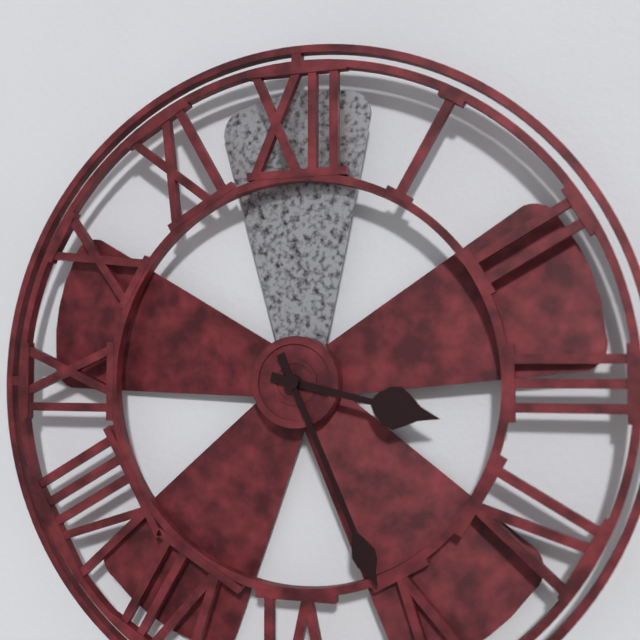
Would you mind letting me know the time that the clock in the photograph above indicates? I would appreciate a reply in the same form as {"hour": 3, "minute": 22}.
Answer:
{"hour": 3, "minute": 26}
